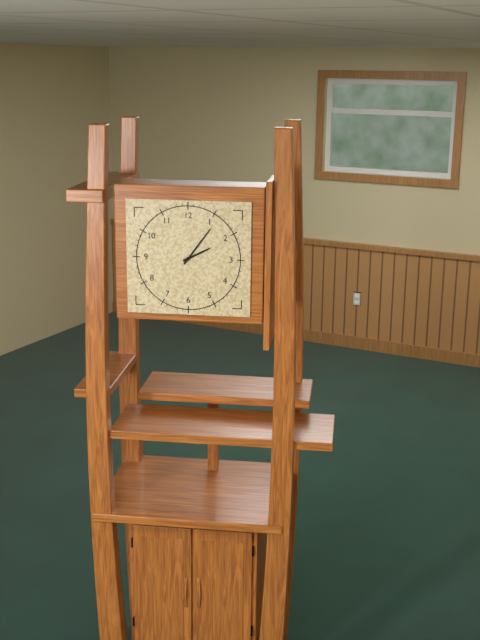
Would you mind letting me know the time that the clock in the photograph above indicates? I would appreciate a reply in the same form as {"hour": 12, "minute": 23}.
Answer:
{"hour": 2, "minute": 6}
